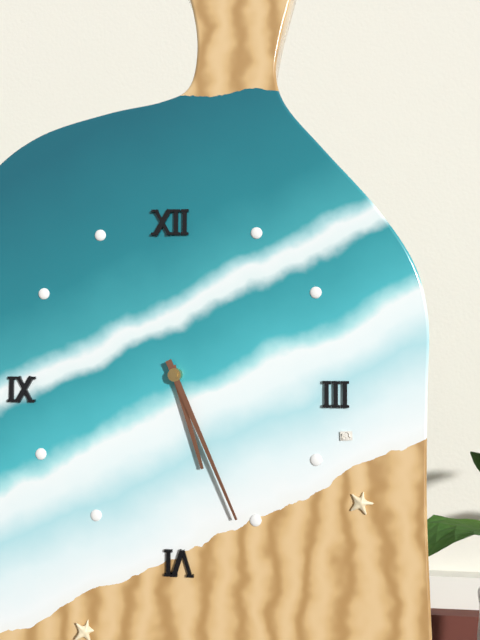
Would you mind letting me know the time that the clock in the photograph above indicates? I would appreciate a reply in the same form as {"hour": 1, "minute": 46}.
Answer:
{"hour": 5, "minute": 26}
